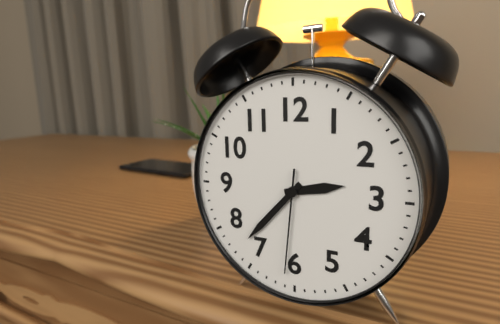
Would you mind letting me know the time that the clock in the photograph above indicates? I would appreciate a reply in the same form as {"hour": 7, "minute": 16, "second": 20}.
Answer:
{"hour": 2, "minute": 37, "second": 31}
